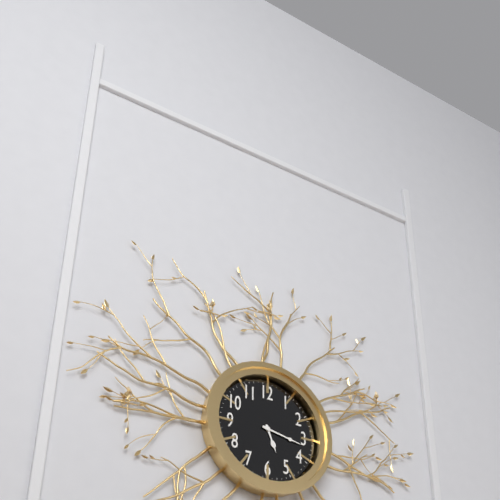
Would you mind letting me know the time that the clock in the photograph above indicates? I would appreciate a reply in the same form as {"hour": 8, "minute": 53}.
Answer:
{"hour": 5, "minute": 17}
